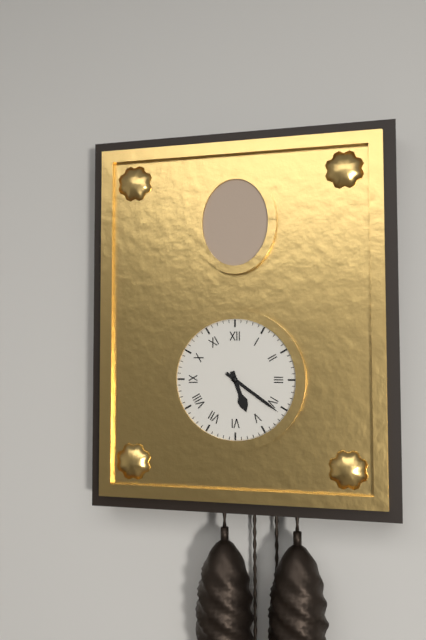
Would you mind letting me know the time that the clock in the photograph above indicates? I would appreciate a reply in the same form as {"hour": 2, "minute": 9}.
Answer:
{"hour": 5, "minute": 21}
